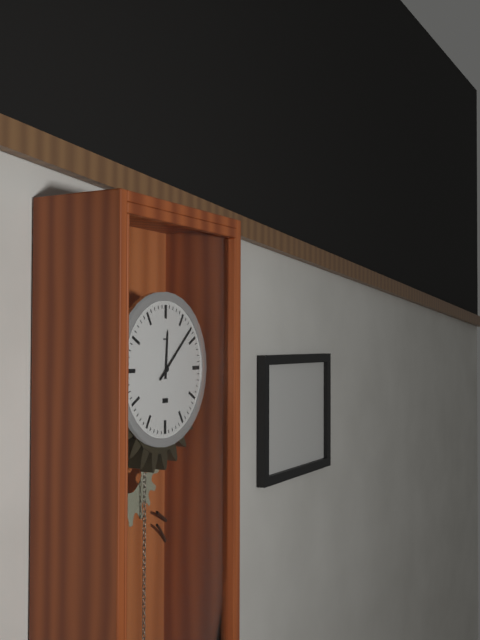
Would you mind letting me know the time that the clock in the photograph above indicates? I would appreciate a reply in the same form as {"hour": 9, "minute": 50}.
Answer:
{"hour": 12, "minute": 8}
